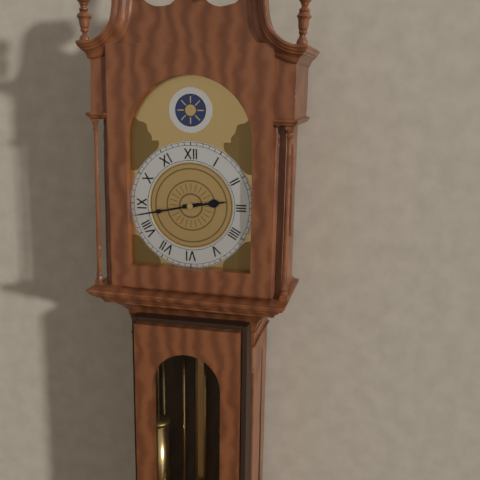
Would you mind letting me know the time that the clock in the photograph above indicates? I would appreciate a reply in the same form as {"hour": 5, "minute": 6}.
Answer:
{"hour": 2, "minute": 43}
